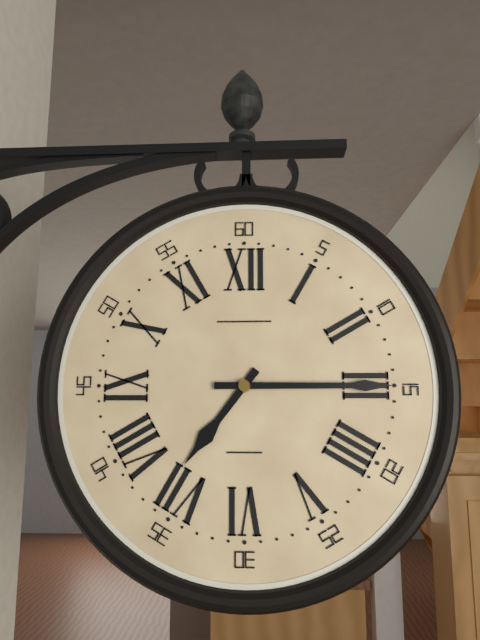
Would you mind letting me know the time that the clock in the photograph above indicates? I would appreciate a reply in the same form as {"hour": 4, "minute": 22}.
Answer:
{"hour": 7, "minute": 15}
